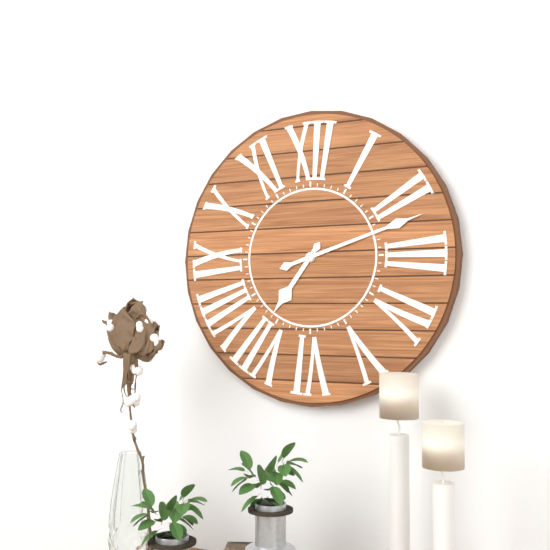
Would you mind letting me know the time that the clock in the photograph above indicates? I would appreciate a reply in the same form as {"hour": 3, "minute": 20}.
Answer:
{"hour": 7, "minute": 12}
